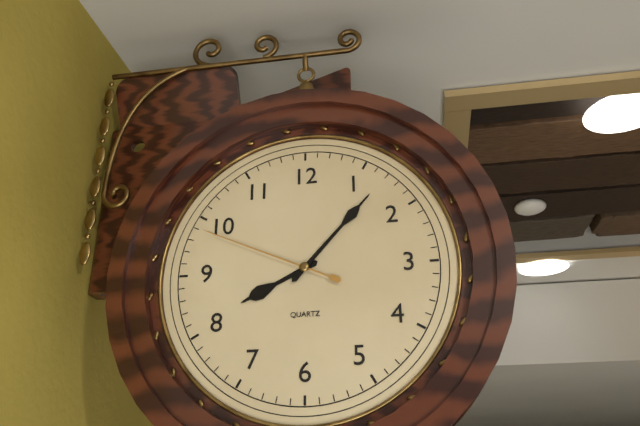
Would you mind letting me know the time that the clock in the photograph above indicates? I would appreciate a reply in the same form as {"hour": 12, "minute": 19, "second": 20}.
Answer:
{"hour": 8, "minute": 7, "second": 49}
